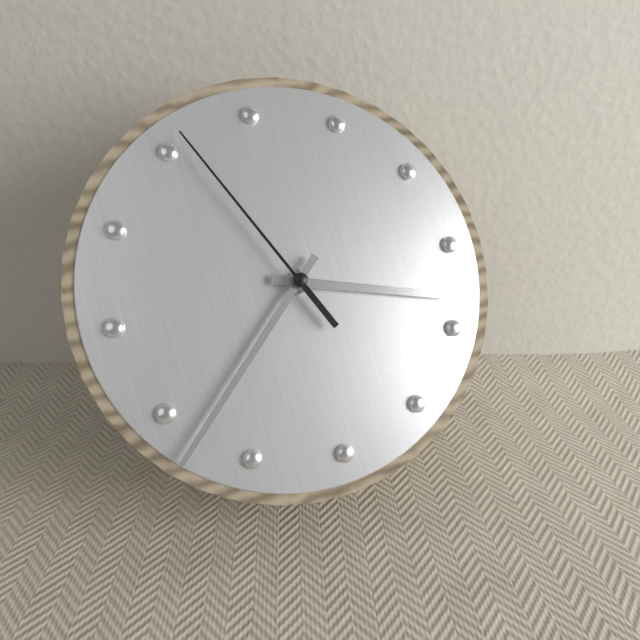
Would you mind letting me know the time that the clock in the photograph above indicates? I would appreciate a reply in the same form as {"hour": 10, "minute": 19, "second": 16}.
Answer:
{"hour": 3, "minute": 38, "second": 56}
